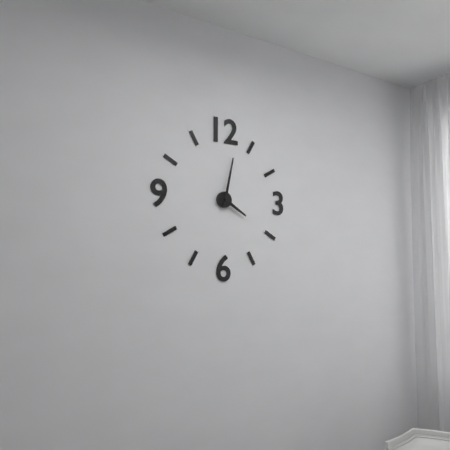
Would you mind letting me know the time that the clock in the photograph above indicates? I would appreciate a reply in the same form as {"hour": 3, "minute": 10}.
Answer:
{"hour": 4, "minute": 2}
